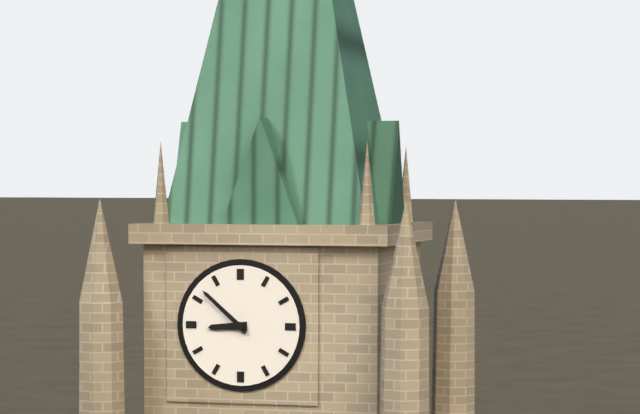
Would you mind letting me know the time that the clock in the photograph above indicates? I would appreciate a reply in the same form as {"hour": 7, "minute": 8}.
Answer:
{"hour": 8, "minute": 52}
